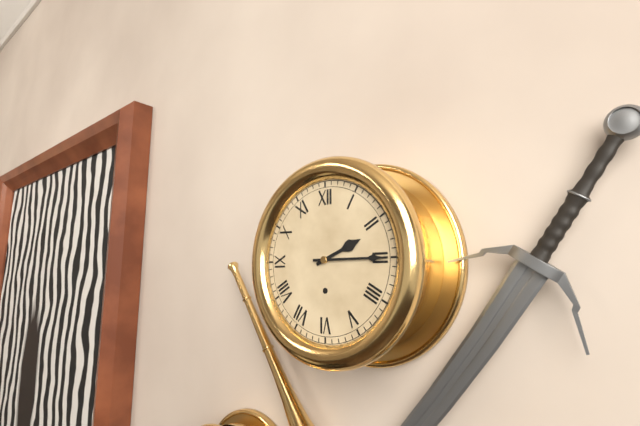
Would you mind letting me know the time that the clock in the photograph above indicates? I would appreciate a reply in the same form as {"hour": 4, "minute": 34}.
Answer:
{"hour": 2, "minute": 15}
